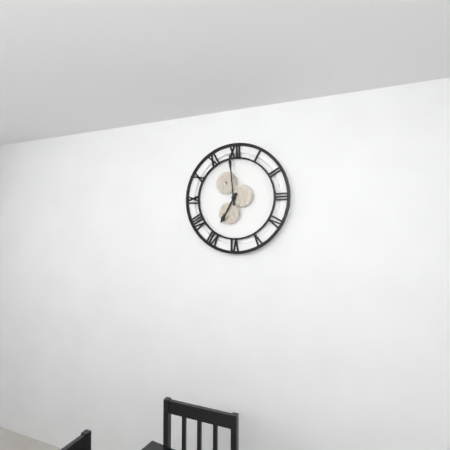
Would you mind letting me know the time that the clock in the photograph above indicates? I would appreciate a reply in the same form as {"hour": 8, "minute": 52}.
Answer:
{"hour": 6, "minute": 59}
